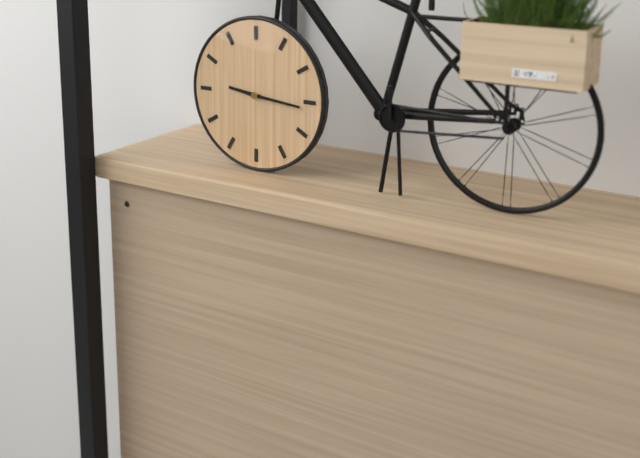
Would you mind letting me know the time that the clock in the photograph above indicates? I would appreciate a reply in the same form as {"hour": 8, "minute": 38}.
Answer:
{"hour": 9, "minute": 16}
